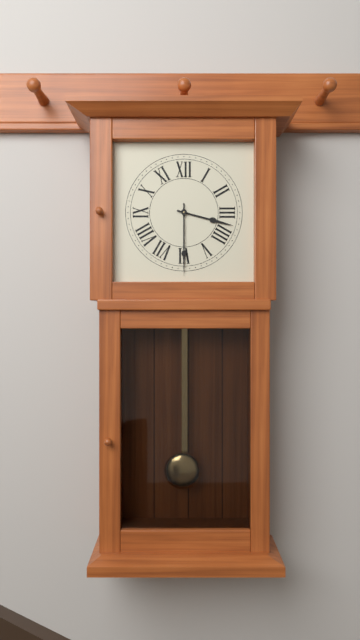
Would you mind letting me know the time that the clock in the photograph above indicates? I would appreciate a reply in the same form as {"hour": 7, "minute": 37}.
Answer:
{"hour": 3, "minute": 30}
